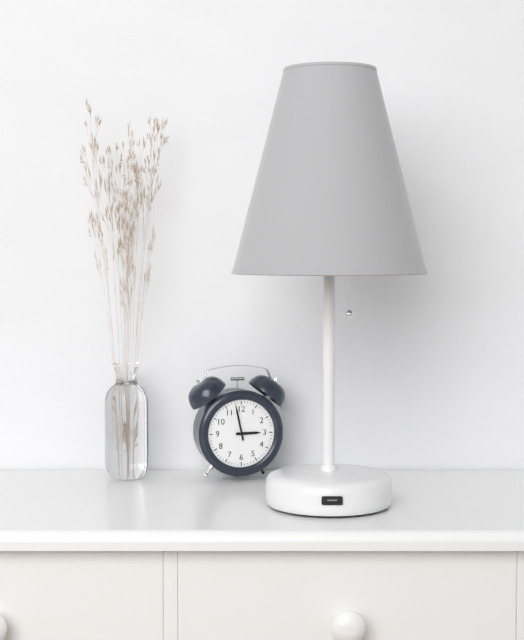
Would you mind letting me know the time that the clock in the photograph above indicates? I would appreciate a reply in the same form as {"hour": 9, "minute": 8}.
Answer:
{"hour": 2, "minute": 58}
